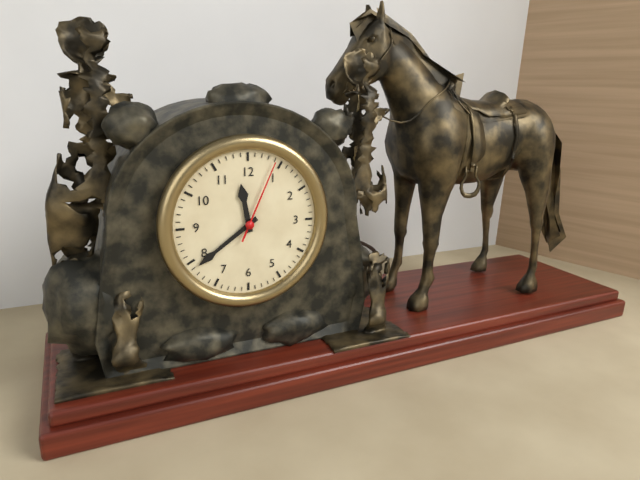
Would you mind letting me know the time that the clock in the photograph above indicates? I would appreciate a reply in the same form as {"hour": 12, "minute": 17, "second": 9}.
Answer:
{"hour": 11, "minute": 39, "second": 4}
